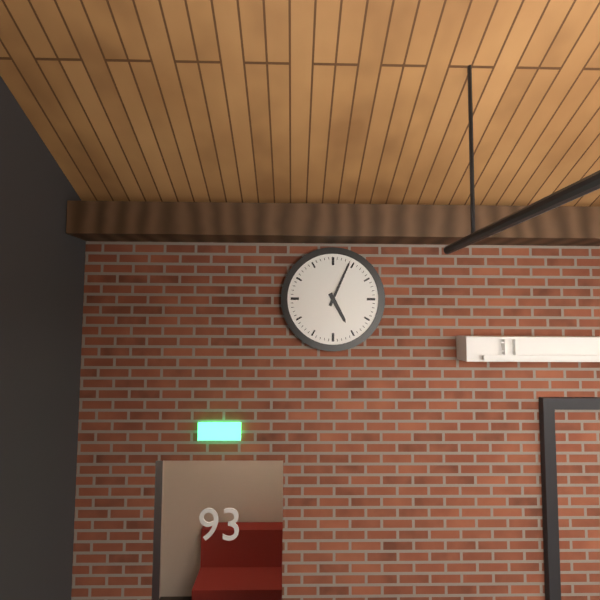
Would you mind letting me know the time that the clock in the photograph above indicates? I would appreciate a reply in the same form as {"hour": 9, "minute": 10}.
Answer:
{"hour": 5, "minute": 4}
